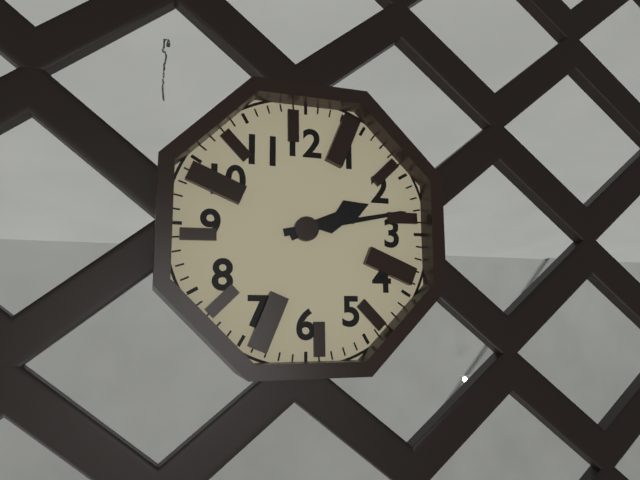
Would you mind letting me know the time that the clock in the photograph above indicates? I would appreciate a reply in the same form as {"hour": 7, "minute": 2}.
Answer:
{"hour": 2, "minute": 13}
